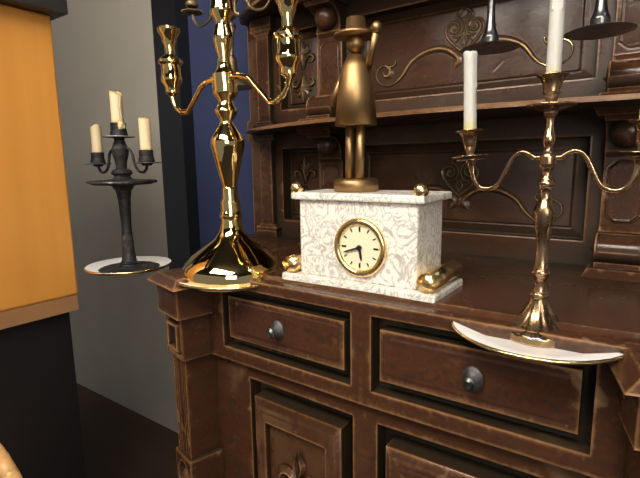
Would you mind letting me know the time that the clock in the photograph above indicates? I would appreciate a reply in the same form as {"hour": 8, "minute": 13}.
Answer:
{"hour": 5, "minute": 42}
